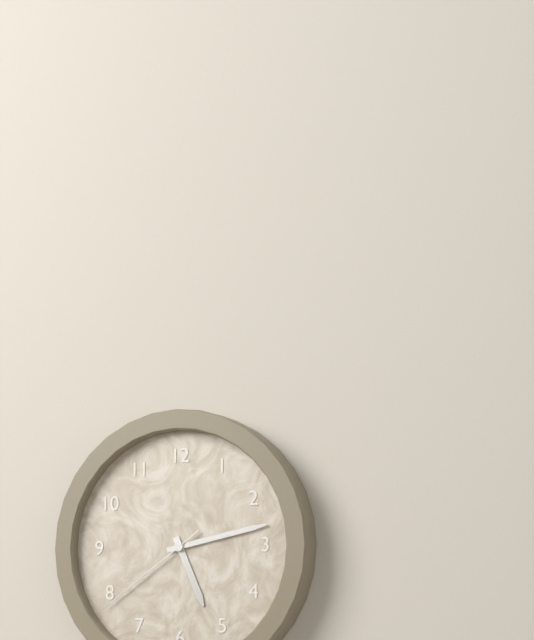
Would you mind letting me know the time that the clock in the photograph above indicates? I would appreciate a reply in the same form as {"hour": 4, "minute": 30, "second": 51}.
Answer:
{"hour": 5, "minute": 13, "second": 39}
